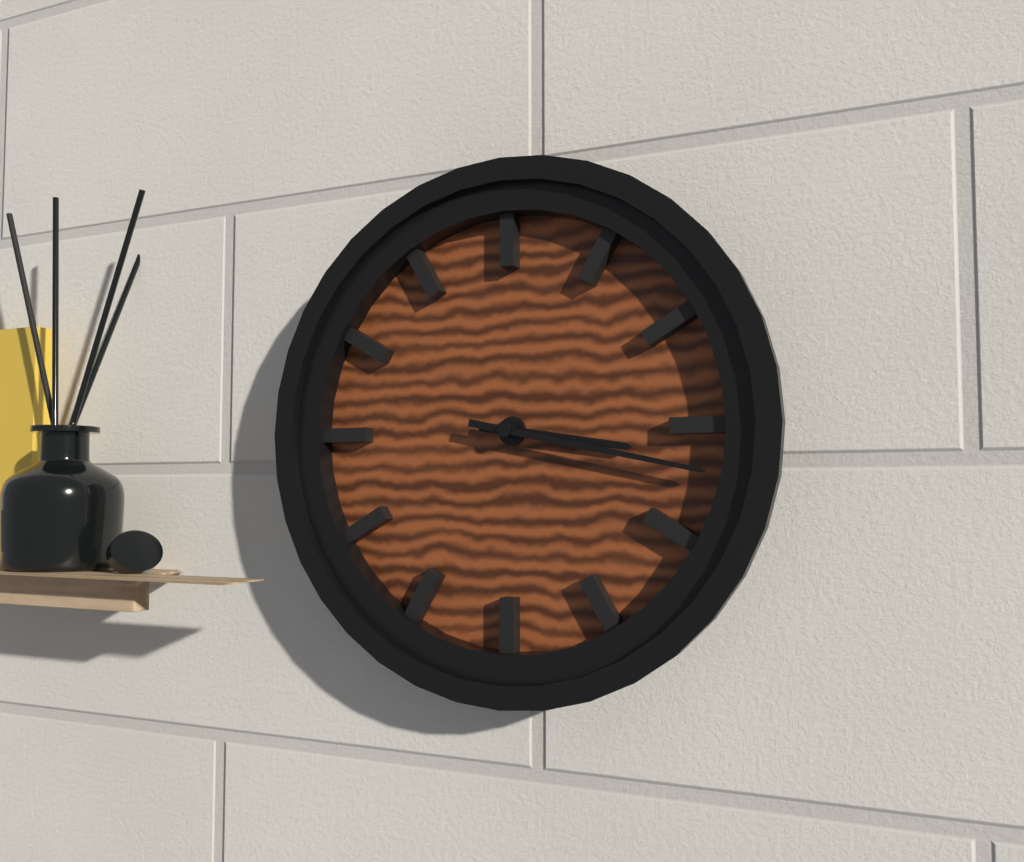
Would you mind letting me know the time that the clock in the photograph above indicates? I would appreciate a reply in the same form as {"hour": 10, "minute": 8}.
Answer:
{"hour": 3, "minute": 17}
